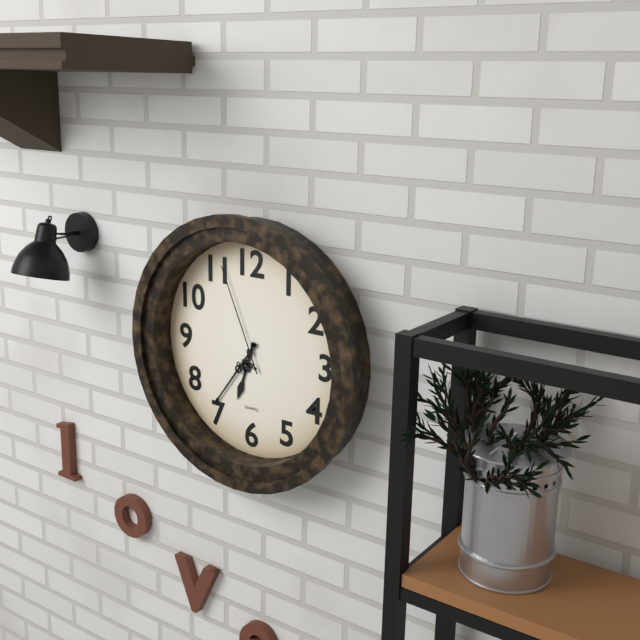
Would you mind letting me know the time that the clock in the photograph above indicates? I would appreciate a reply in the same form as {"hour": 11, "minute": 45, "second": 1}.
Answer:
{"hour": 6, "minute": 36, "second": 56}
